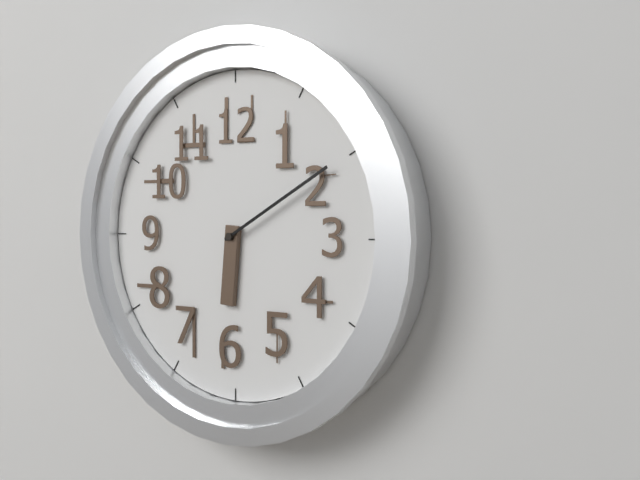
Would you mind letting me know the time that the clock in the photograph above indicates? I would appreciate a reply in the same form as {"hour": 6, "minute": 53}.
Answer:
{"hour": 6, "minute": 10}
